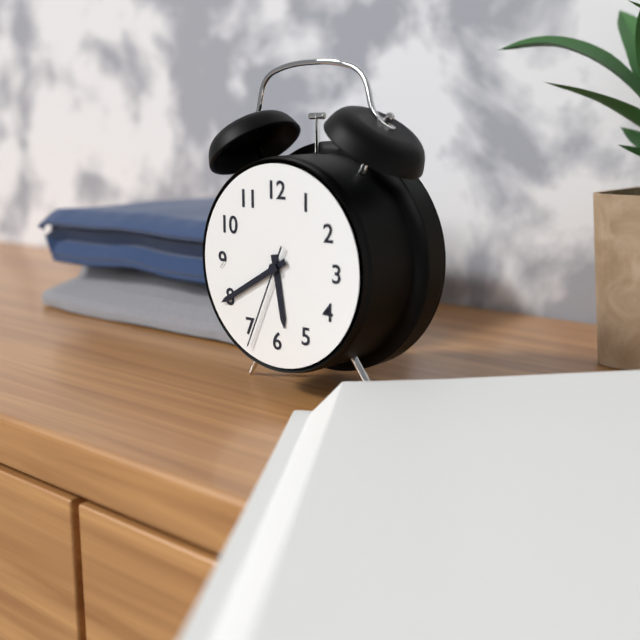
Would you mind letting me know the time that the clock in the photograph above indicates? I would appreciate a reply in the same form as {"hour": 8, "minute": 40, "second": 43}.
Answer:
{"hour": 5, "minute": 40, "second": 34}
